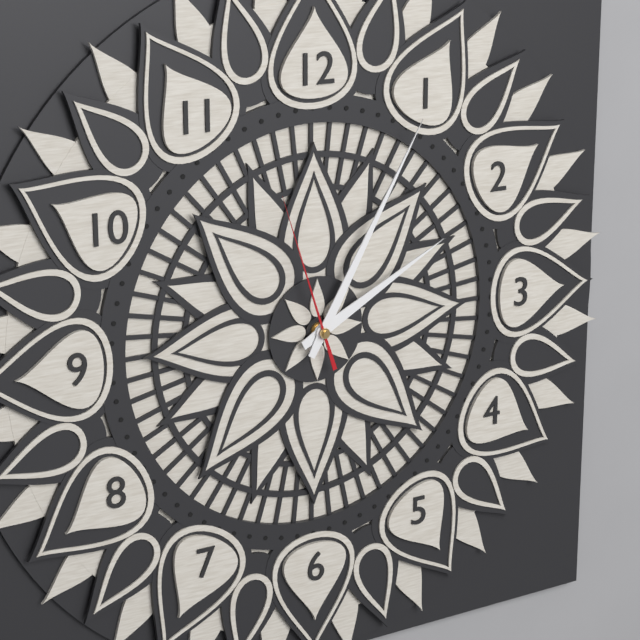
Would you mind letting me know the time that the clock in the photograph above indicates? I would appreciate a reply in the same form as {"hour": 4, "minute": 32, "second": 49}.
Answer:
{"hour": 2, "minute": 5, "second": 57}
